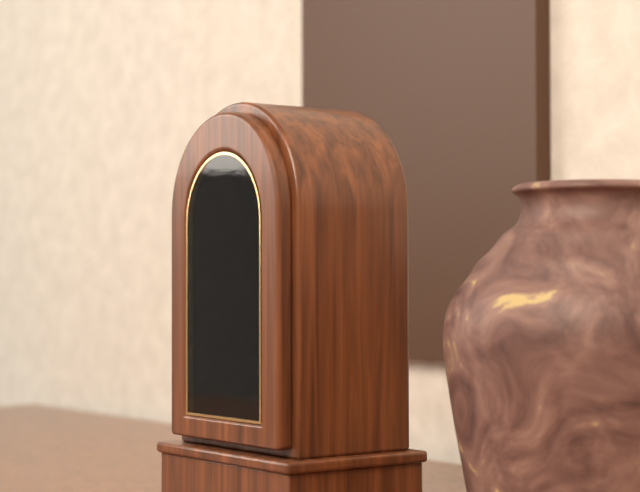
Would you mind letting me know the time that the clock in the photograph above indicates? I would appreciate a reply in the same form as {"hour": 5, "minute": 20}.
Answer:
{"hour": 8, "minute": 32}
